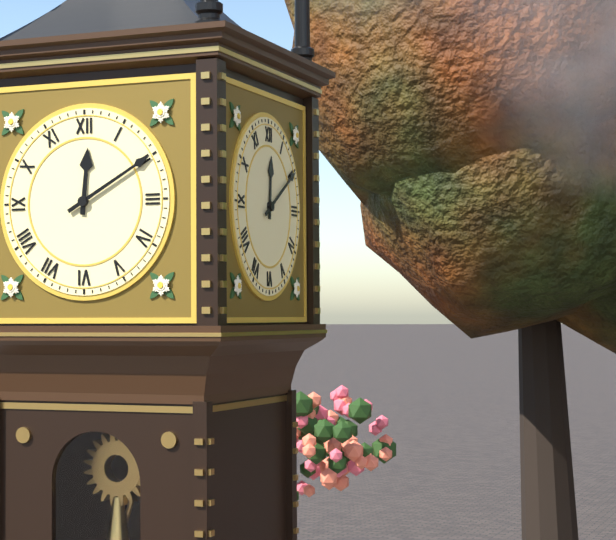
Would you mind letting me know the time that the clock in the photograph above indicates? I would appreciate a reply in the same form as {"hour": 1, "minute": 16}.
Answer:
{"hour": 12, "minute": 10}
